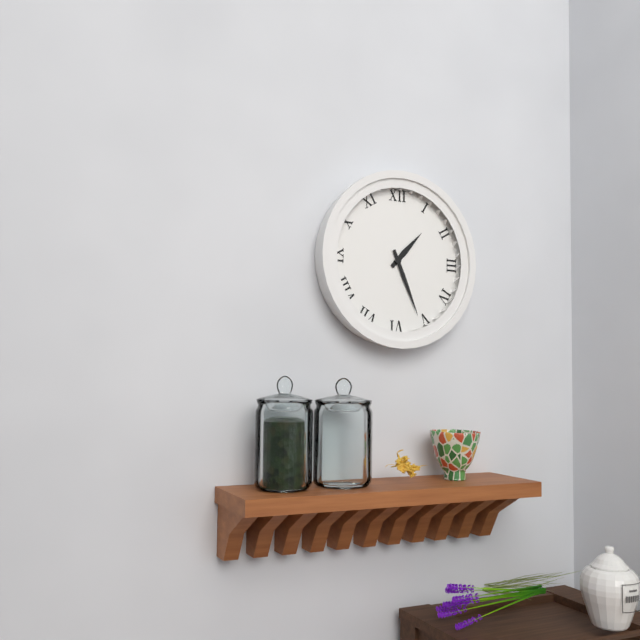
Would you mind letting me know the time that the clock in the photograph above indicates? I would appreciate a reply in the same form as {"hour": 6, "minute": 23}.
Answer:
{"hour": 1, "minute": 26}
